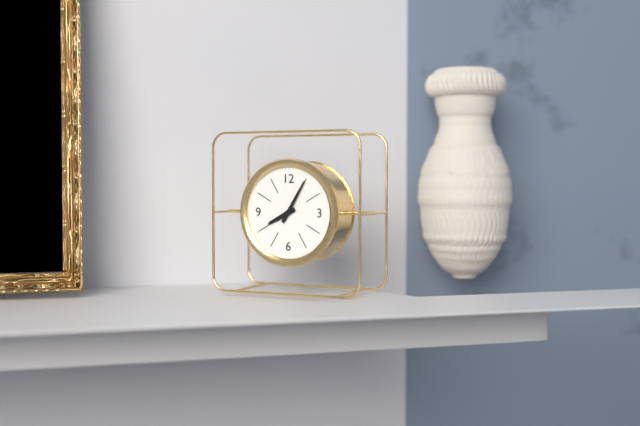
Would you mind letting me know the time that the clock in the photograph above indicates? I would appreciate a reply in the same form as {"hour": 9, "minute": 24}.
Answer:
{"hour": 8, "minute": 5}
